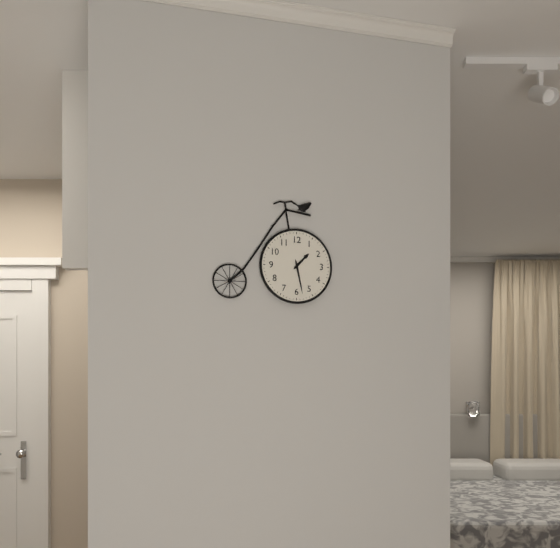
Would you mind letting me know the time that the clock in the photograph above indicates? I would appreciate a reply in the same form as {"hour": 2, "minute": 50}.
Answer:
{"hour": 1, "minute": 28}
